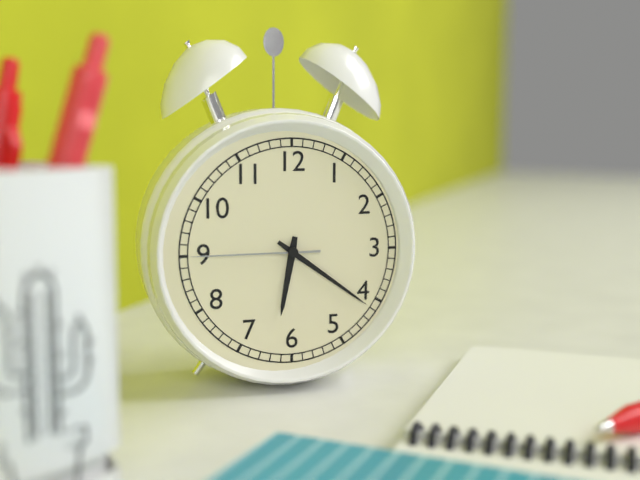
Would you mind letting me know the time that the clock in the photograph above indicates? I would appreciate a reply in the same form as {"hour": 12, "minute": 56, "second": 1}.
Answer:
{"hour": 6, "minute": 21, "second": 45}
